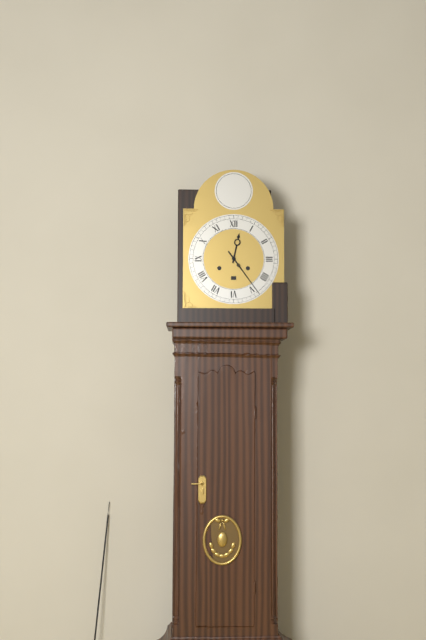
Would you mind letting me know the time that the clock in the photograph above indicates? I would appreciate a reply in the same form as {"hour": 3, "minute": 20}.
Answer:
{"hour": 12, "minute": 24}
